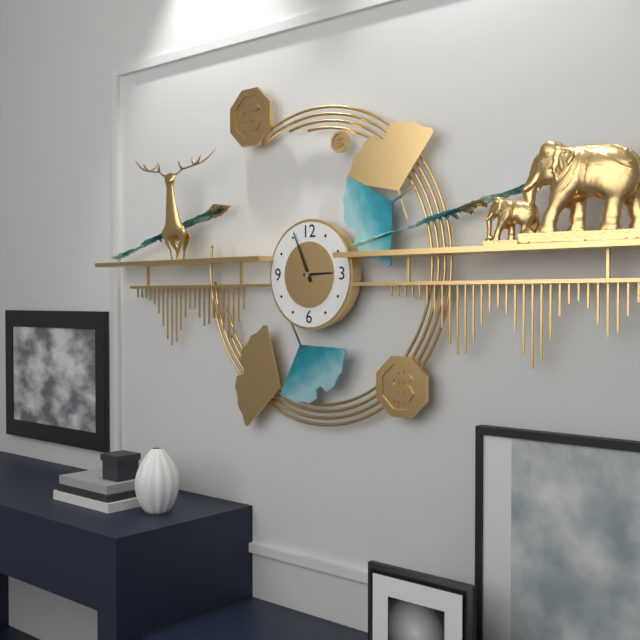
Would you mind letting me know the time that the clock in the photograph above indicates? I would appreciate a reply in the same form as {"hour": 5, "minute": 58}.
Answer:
{"hour": 2, "minute": 56}
